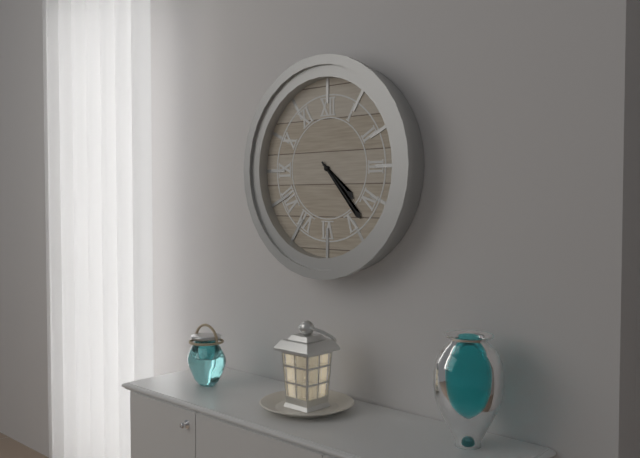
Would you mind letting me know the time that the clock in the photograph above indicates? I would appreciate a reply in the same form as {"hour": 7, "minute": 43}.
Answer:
{"hour": 4, "minute": 23}
